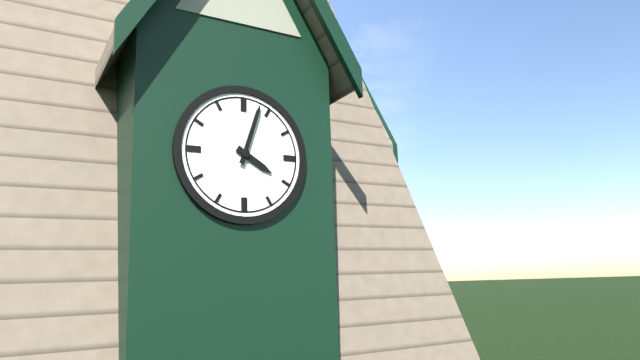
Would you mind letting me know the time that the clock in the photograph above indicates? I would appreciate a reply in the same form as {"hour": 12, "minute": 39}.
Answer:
{"hour": 4, "minute": 3}
